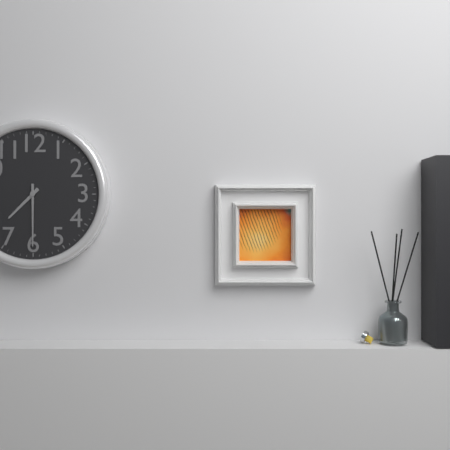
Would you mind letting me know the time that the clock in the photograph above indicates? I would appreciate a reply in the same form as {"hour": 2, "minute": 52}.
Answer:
{"hour": 7, "minute": 30}
